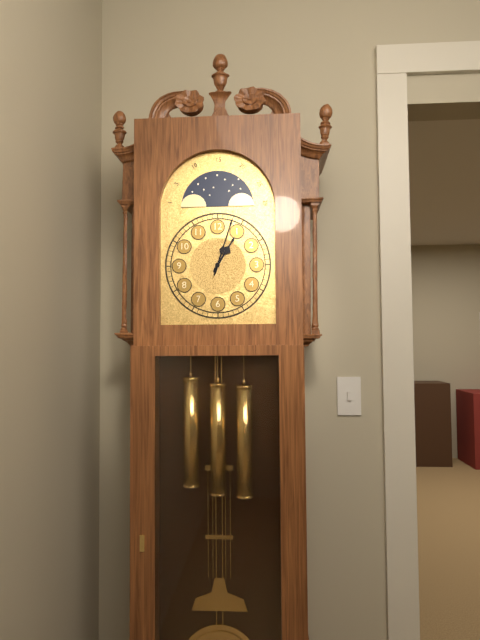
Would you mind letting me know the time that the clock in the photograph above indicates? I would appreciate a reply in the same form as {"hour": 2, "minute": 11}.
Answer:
{"hour": 1, "minute": 3}
